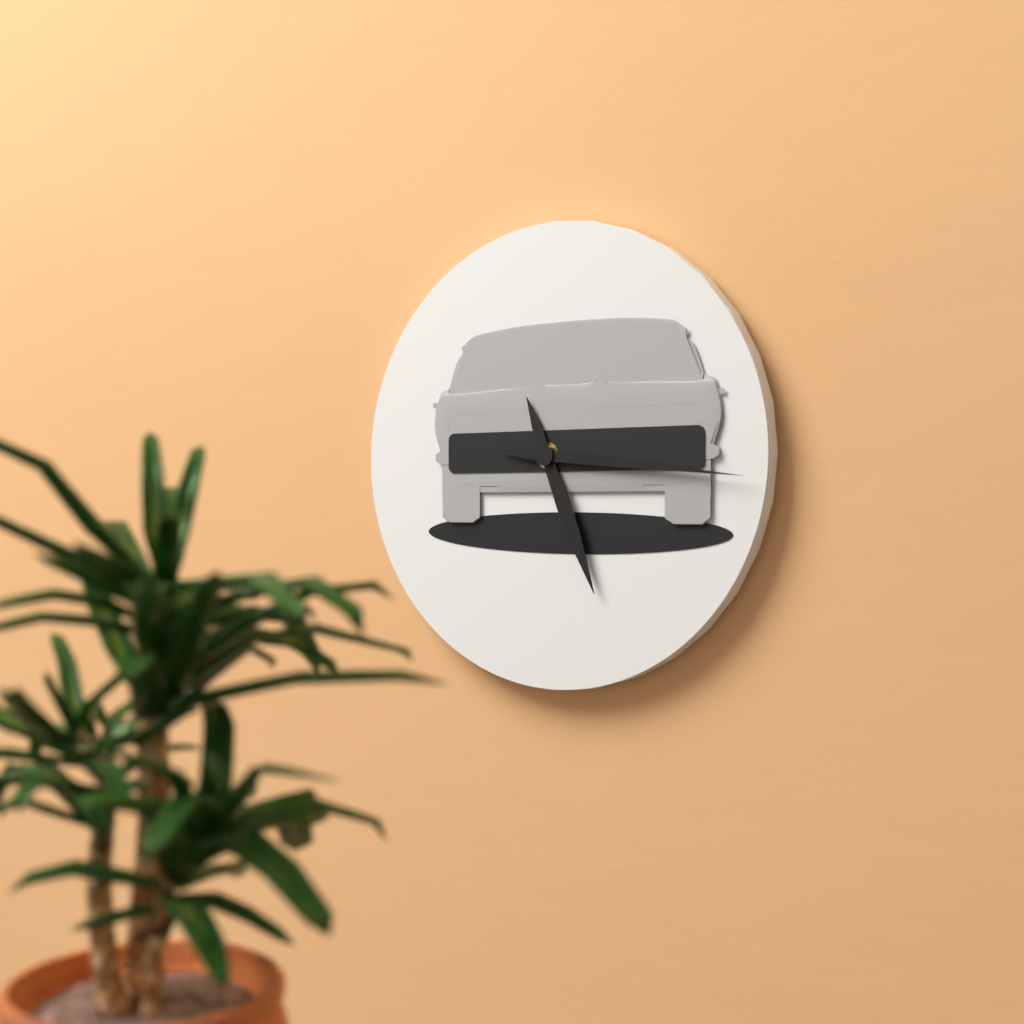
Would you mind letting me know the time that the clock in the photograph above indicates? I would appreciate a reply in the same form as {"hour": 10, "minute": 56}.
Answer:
{"hour": 5, "minute": 16}
